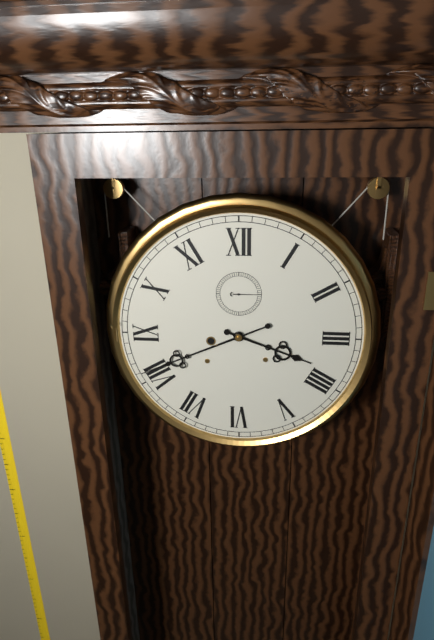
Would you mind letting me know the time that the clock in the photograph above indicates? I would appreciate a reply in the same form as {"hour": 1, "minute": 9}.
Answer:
{"hour": 3, "minute": 41}
